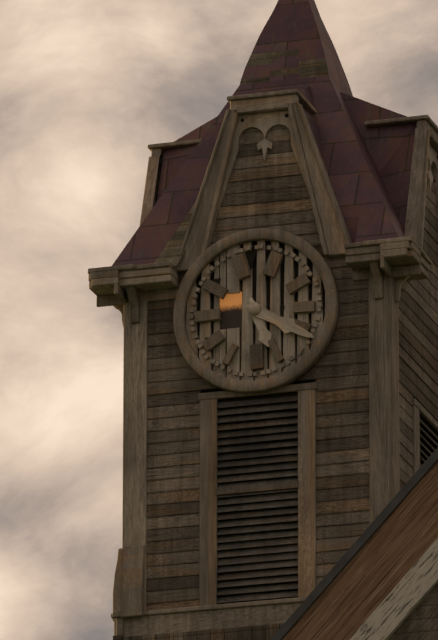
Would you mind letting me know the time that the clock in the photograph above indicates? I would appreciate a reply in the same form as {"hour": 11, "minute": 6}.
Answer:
{"hour": 5, "minute": 20}
